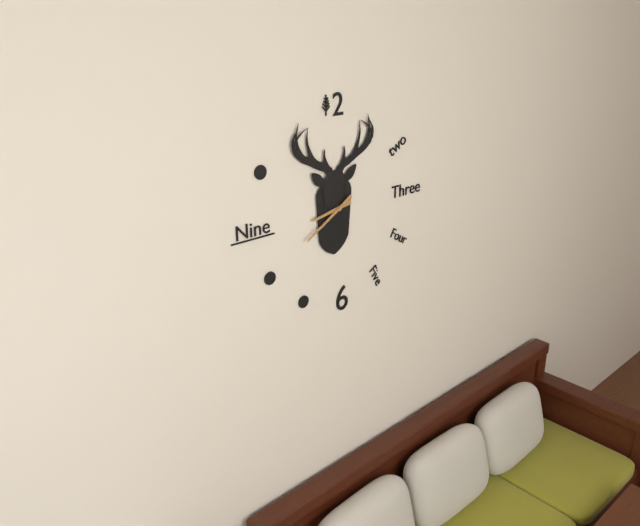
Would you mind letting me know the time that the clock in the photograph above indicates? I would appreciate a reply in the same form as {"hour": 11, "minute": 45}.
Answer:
{"hour": 8, "minute": 40}
